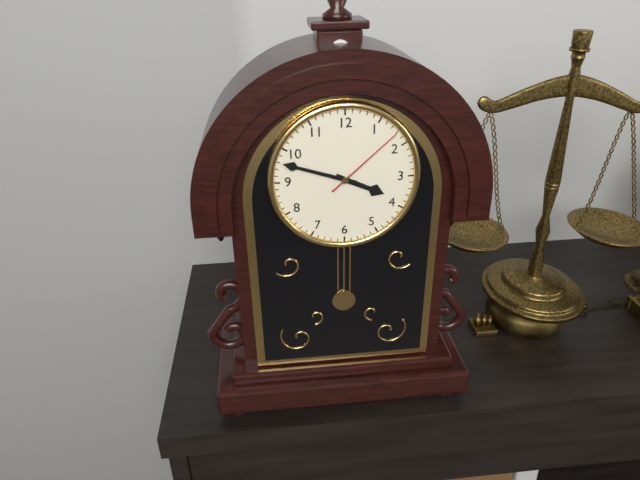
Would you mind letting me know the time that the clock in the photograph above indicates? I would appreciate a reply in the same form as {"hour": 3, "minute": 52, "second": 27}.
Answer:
{"hour": 3, "minute": 48, "second": 8}
